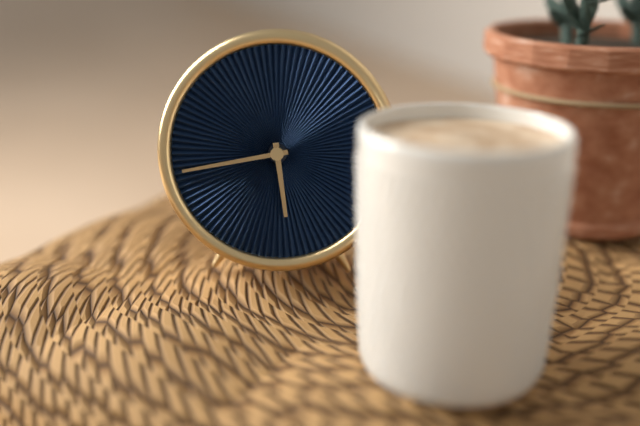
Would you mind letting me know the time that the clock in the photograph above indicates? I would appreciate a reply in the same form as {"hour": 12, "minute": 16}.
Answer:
{"hour": 5, "minute": 43}
